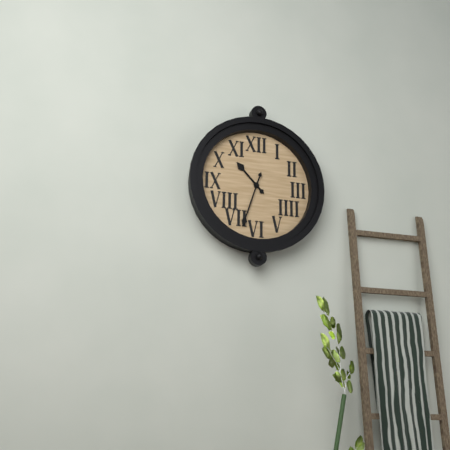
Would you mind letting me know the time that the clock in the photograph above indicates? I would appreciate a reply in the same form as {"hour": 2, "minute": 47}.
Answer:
{"hour": 10, "minute": 33}
